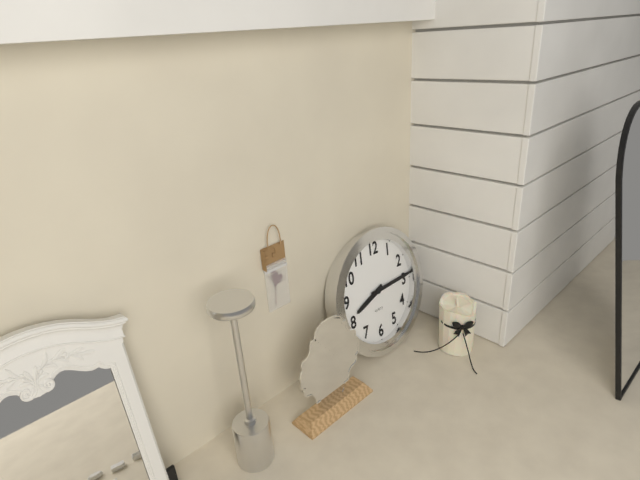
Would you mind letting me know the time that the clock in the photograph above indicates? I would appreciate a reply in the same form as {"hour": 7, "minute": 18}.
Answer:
{"hour": 8, "minute": 14}
